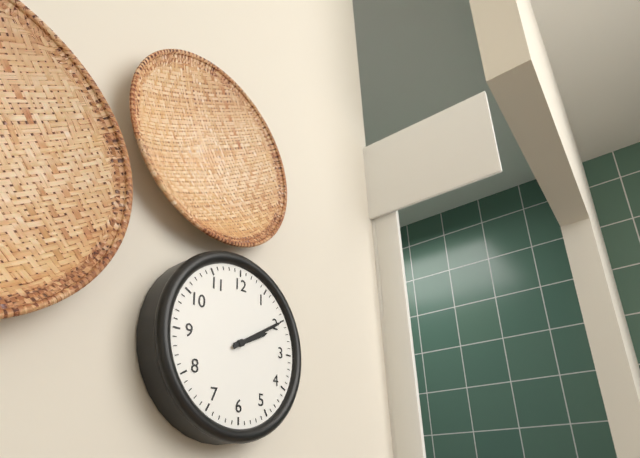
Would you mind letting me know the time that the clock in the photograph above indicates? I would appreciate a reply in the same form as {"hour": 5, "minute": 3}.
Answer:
{"hour": 2, "minute": 10}
